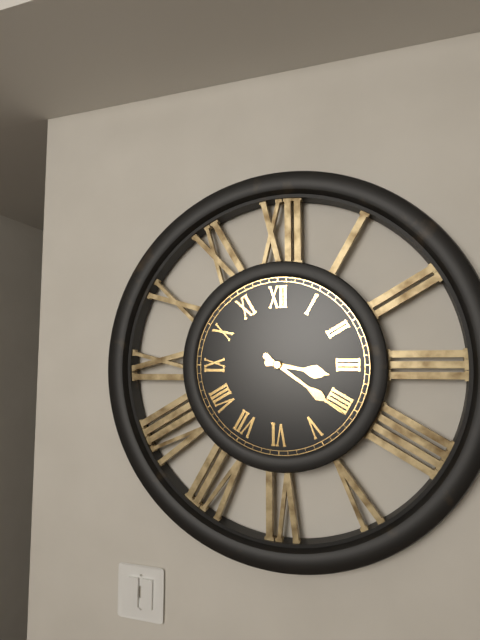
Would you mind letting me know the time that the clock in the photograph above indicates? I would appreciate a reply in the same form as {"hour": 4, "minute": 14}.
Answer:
{"hour": 3, "minute": 21}
